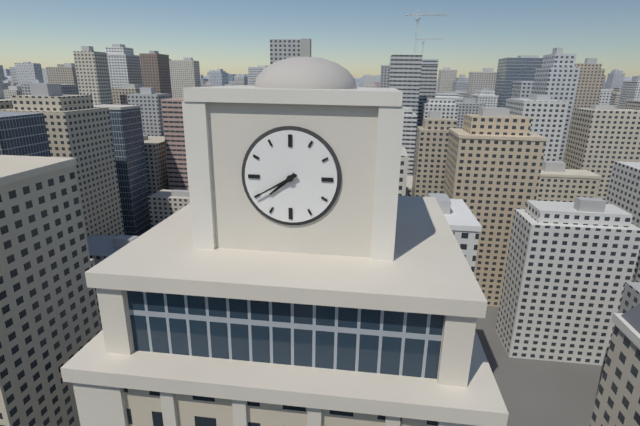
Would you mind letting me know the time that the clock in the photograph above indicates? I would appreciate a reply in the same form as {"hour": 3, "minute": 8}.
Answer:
{"hour": 7, "minute": 40}
